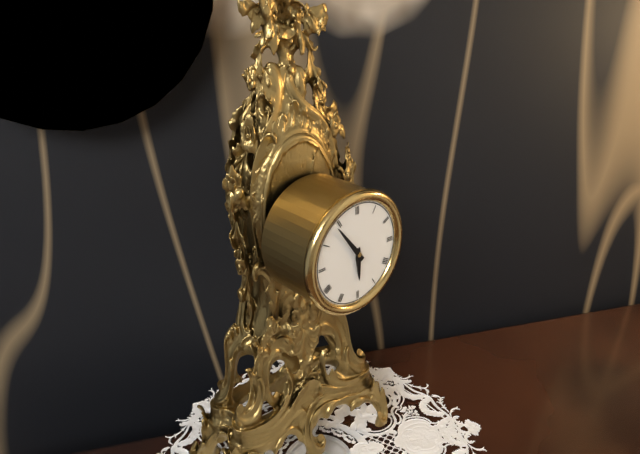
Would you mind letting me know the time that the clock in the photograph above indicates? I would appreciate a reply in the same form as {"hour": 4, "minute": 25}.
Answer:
{"hour": 5, "minute": 54}
